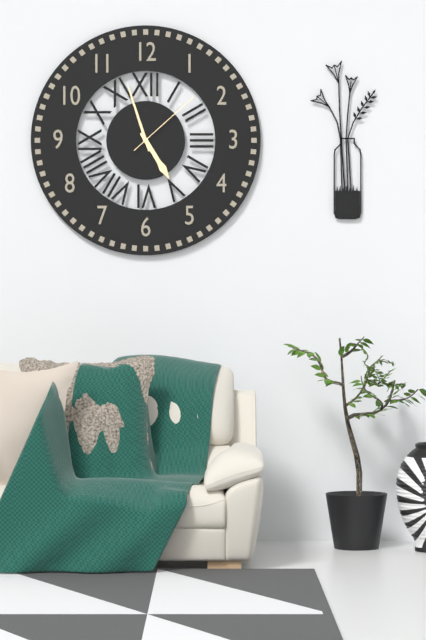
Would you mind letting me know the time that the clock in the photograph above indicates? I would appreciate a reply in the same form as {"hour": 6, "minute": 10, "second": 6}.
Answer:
{"hour": 4, "minute": 57, "second": 8}
